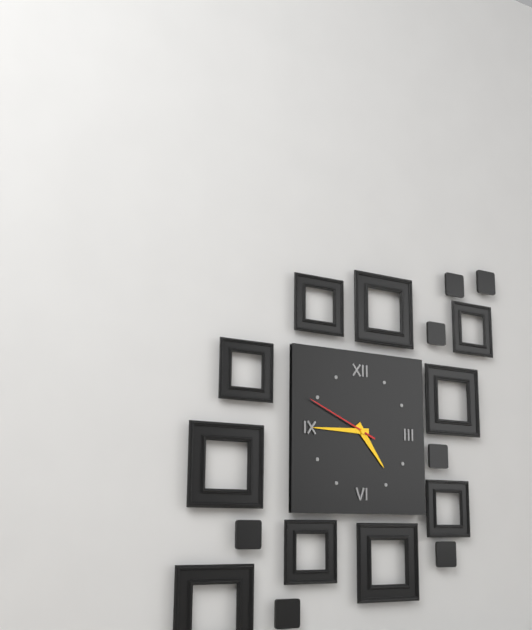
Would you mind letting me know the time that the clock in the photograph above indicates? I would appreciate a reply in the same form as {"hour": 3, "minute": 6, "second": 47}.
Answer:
{"hour": 4, "minute": 45, "second": 49}
